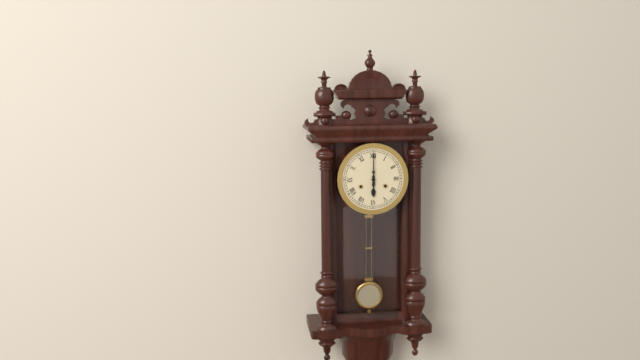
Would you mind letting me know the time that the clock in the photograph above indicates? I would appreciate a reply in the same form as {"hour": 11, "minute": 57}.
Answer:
{"hour": 6, "minute": 0}
